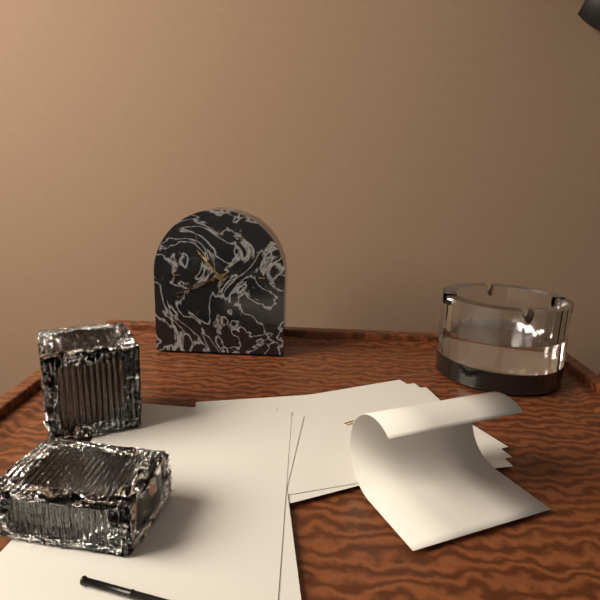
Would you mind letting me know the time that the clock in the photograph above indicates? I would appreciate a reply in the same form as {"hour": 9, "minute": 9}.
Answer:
{"hour": 10, "minute": 41}
